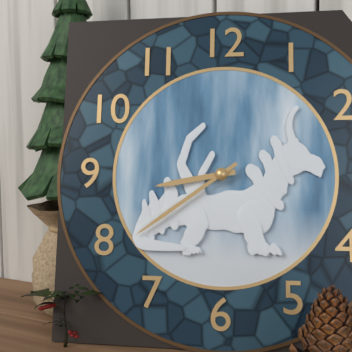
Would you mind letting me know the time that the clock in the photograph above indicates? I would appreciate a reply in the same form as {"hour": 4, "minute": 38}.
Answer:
{"hour": 8, "minute": 39}
